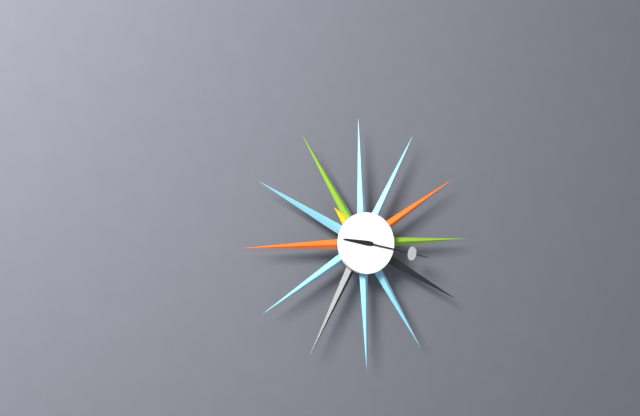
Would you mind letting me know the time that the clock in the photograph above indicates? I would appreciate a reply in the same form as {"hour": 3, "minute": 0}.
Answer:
{"hour": 9, "minute": 17}
